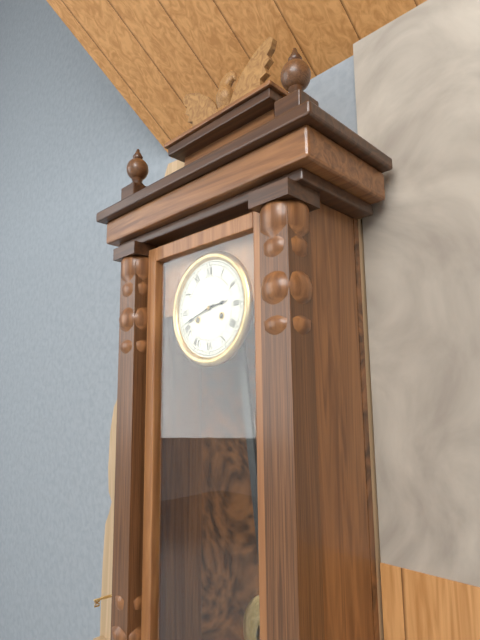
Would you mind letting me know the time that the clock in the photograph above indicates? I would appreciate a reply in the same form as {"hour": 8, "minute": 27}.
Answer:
{"hour": 2, "minute": 42}
